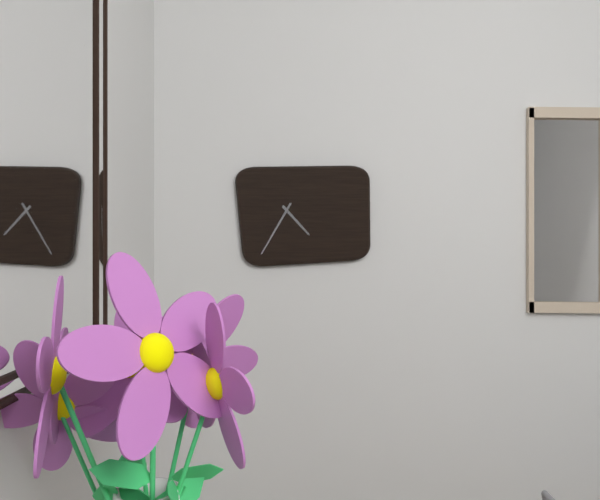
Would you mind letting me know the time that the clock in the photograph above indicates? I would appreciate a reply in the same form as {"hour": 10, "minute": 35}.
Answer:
{"hour": 4, "minute": 35}
